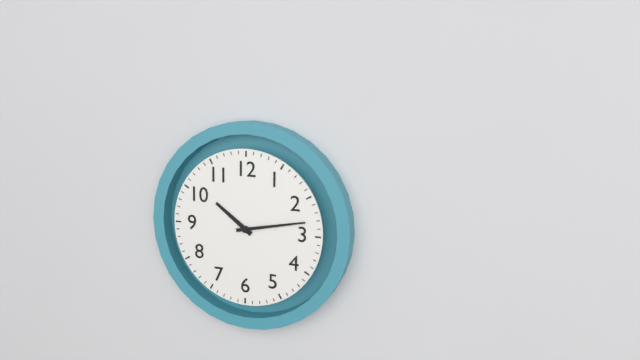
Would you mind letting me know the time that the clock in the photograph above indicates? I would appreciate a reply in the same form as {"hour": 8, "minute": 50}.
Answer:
{"hour": 10, "minute": 13}
